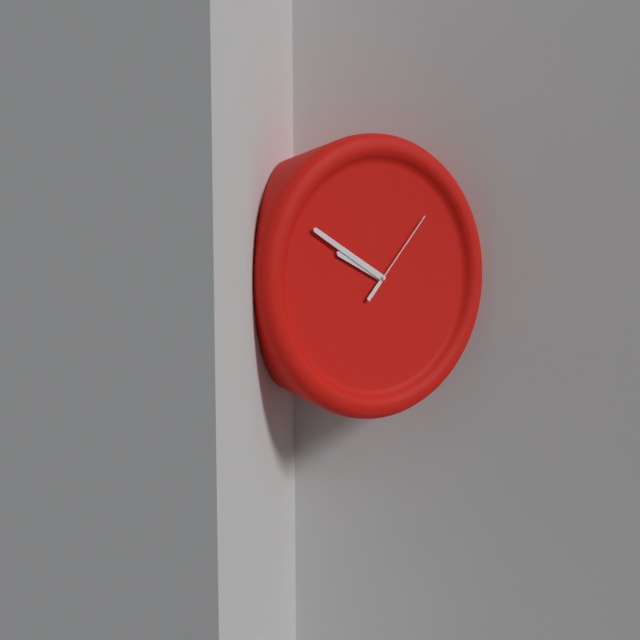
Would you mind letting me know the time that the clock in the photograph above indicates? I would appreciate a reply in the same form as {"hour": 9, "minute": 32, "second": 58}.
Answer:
{"hour": 9, "minute": 50, "second": 7}
